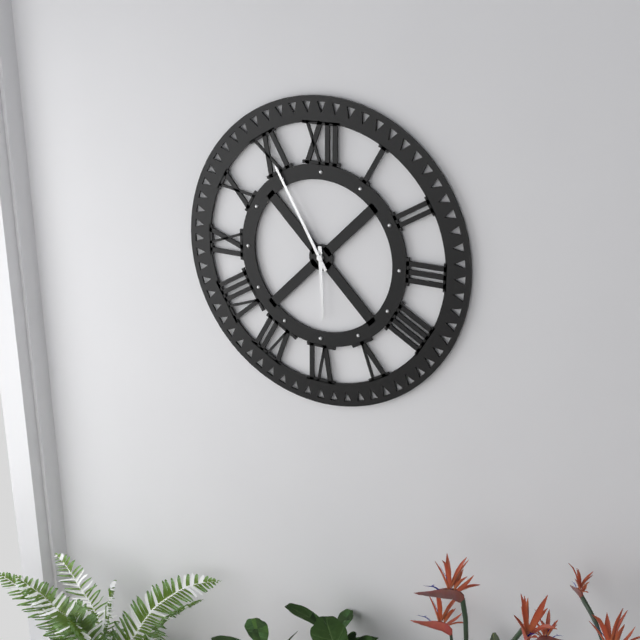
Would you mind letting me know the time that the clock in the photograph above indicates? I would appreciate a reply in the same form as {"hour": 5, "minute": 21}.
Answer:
{"hour": 5, "minute": 55}
